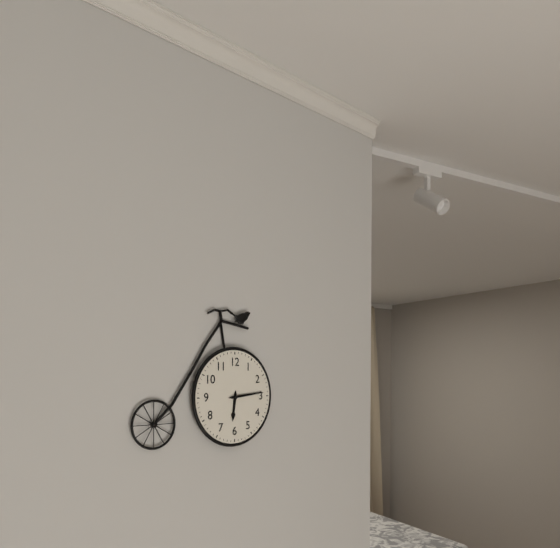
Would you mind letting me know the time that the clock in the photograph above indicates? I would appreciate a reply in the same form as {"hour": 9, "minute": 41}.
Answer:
{"hour": 6, "minute": 14}
